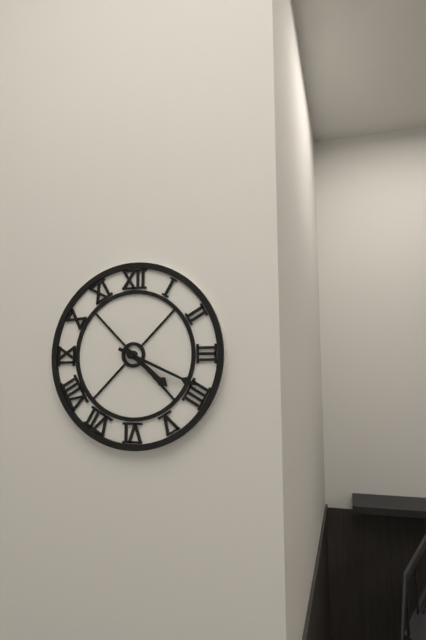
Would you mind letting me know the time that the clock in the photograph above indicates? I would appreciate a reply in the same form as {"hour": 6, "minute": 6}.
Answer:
{"hour": 4, "minute": 19}
